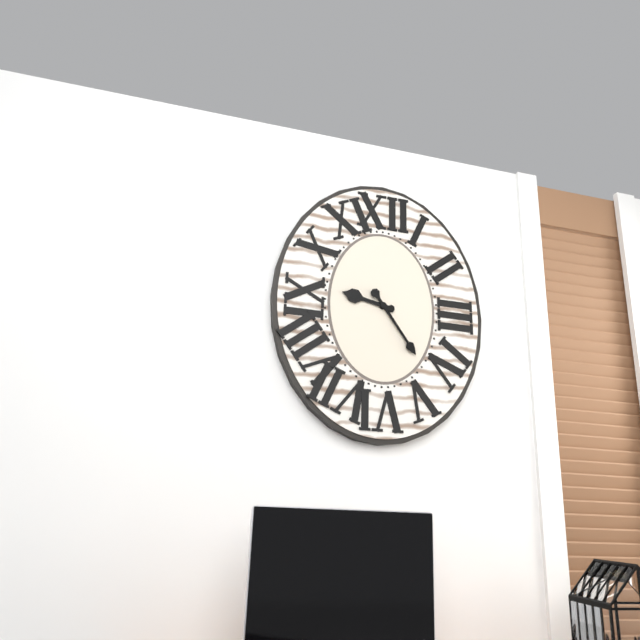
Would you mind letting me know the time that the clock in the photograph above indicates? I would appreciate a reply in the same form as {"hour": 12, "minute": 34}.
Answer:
{"hour": 9, "minute": 24}
